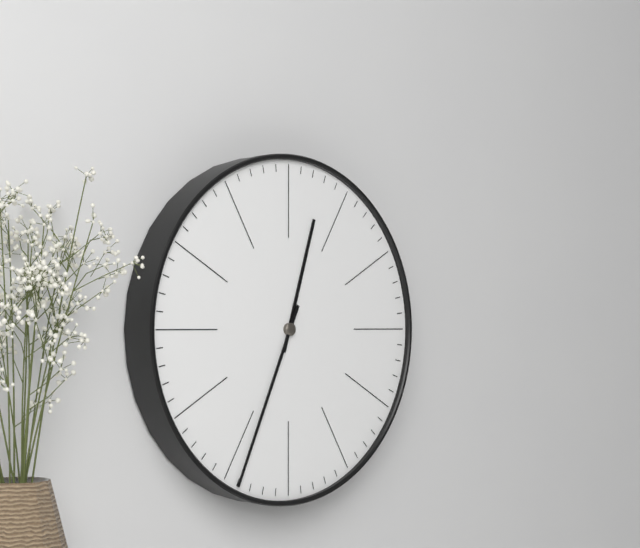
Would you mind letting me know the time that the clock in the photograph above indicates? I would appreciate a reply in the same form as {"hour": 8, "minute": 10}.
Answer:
{"hour": 12, "minute": 34}
